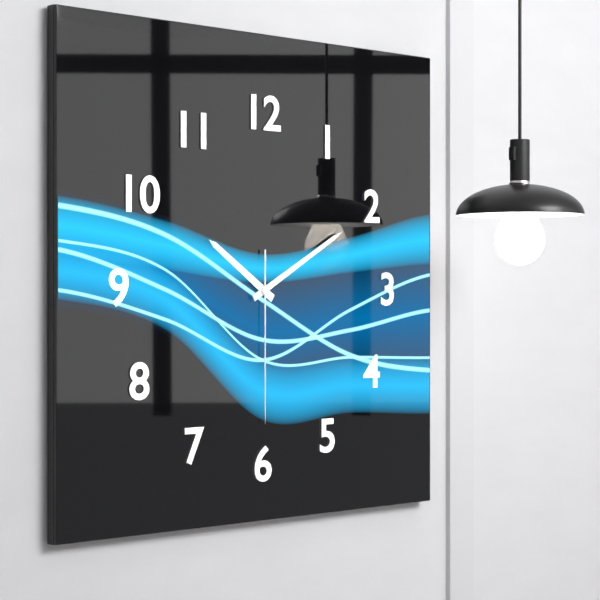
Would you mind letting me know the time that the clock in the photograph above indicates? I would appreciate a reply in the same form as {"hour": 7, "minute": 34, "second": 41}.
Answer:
{"hour": 10, "minute": 10, "second": 30}
